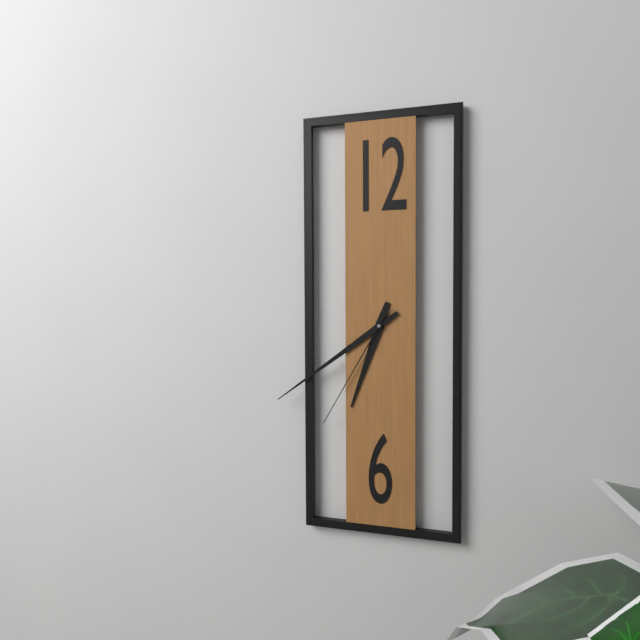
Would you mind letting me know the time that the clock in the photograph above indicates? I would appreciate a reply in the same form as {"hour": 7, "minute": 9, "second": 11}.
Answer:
{"hour": 6, "minute": 39, "second": 35}
